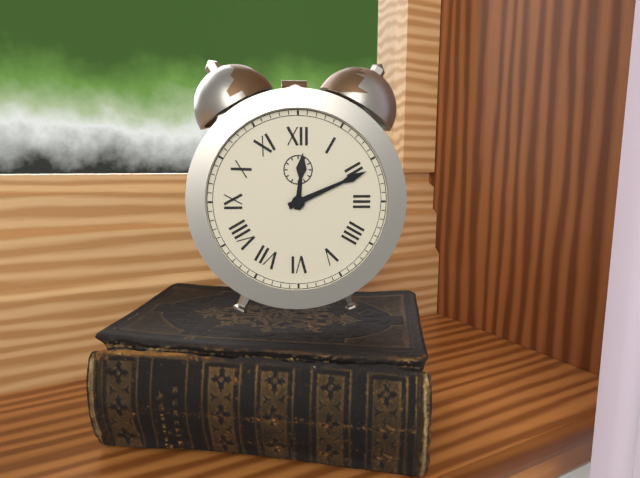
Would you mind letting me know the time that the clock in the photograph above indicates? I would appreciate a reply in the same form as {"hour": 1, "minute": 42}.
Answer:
{"hour": 12, "minute": 11}
